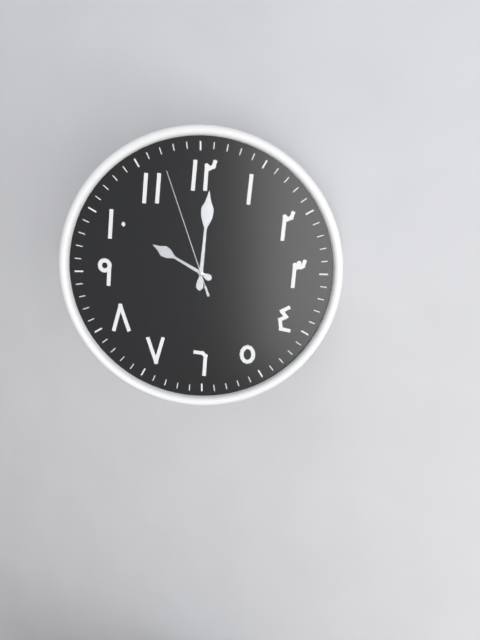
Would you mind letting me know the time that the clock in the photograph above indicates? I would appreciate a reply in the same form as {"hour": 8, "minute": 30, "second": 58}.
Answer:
{"hour": 10, "minute": 1, "second": 57}
